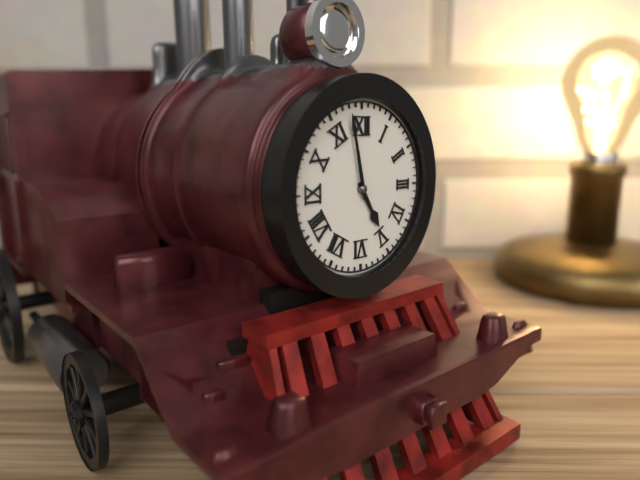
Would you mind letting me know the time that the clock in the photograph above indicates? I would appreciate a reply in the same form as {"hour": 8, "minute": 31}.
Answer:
{"hour": 4, "minute": 58}
